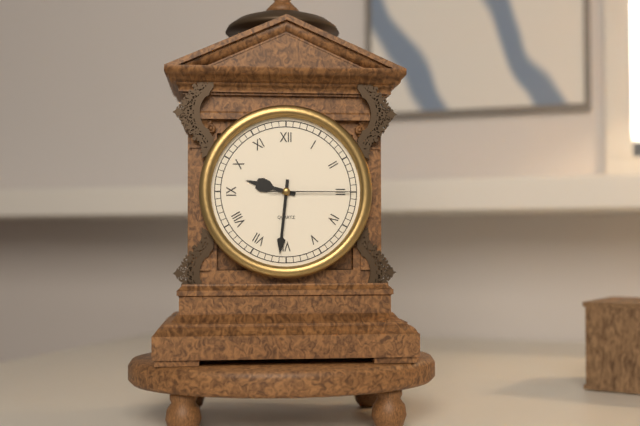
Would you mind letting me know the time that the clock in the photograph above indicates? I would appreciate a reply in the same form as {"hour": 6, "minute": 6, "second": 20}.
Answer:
{"hour": 9, "minute": 31, "second": 15}
